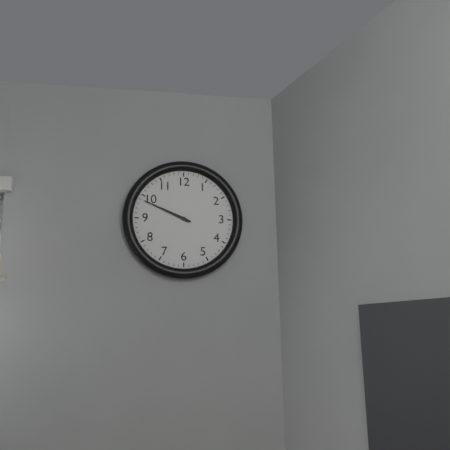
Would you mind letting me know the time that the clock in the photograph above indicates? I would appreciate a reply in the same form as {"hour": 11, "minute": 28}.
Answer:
{"hour": 9, "minute": 49}
